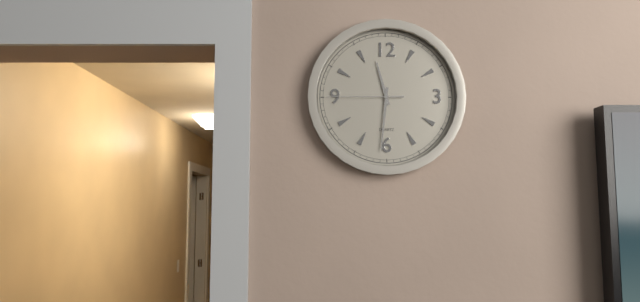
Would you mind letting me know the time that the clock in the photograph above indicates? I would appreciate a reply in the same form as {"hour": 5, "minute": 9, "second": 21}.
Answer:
{"hour": 11, "minute": 31, "second": 45}
